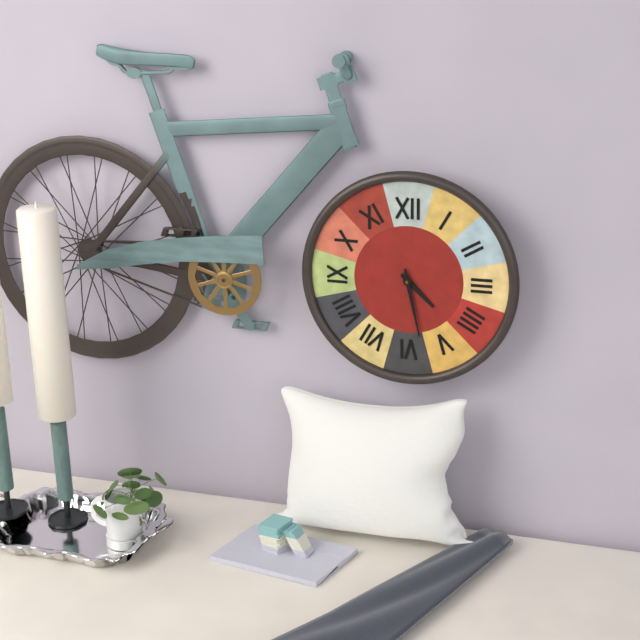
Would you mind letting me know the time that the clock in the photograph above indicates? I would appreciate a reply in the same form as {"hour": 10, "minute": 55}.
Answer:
{"hour": 4, "minute": 28}
